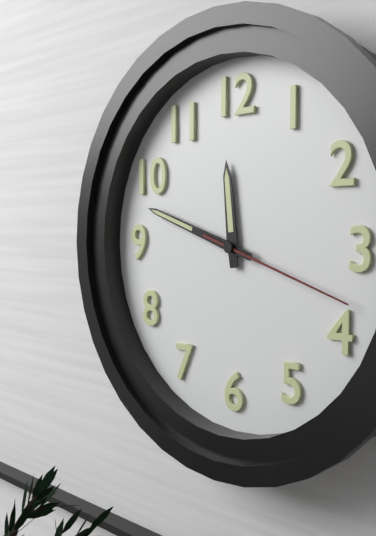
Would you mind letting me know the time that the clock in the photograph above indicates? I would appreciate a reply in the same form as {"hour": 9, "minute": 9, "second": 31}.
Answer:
{"hour": 11, "minute": 48, "second": 18}
